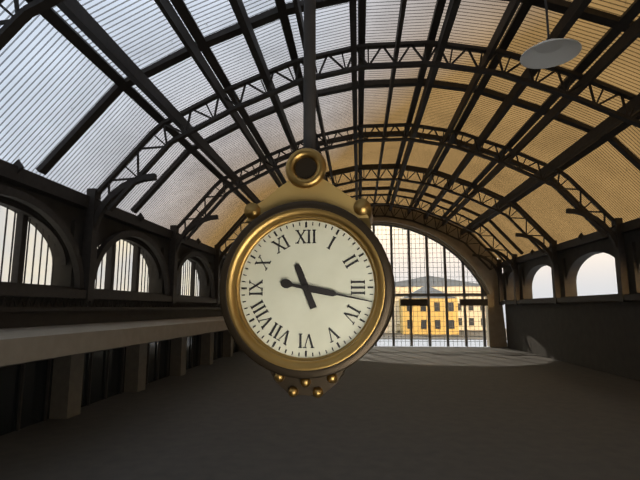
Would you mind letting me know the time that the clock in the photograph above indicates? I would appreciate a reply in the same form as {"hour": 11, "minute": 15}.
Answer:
{"hour": 11, "minute": 17}
